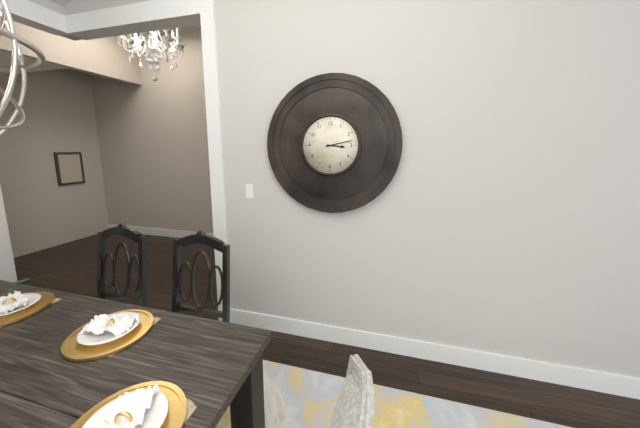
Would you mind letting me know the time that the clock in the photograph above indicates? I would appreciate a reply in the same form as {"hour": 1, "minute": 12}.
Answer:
{"hour": 3, "minute": 13}
